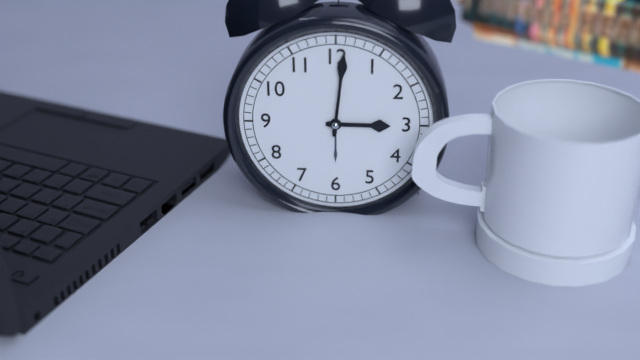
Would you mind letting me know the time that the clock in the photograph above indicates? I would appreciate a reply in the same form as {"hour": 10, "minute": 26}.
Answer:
{"hour": 3, "minute": 1}
